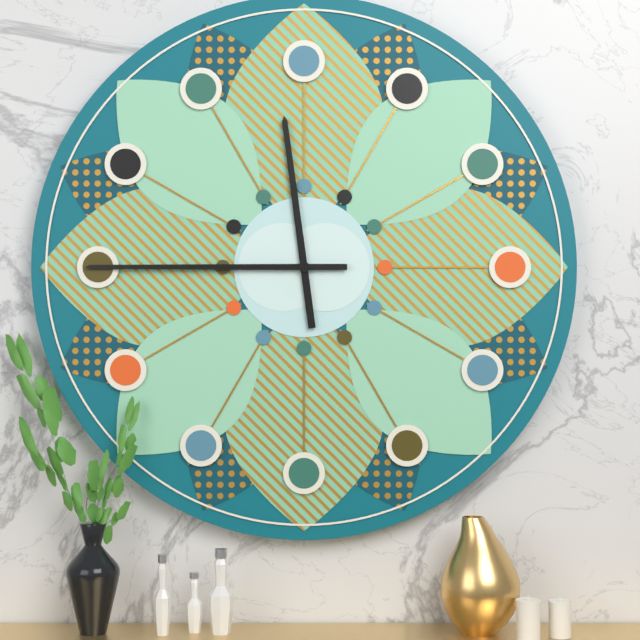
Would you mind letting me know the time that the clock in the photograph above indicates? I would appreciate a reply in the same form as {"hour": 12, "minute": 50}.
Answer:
{"hour": 11, "minute": 45}
